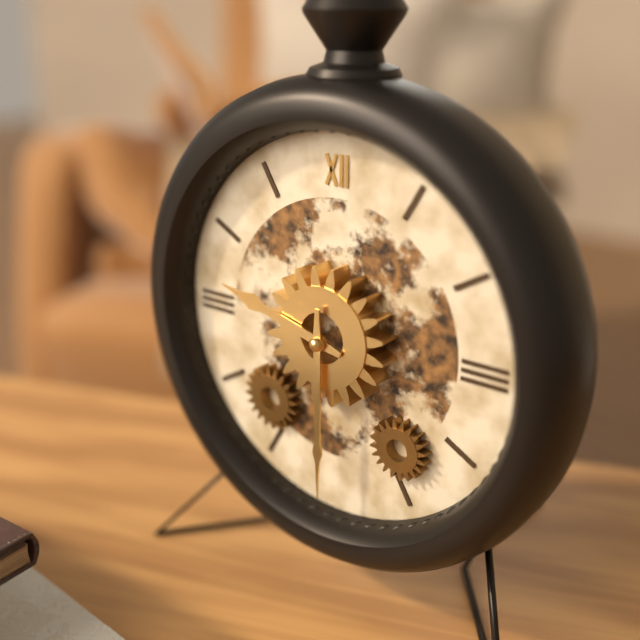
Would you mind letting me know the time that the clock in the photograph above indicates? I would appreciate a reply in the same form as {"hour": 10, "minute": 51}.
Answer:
{"hour": 9, "minute": 30}
